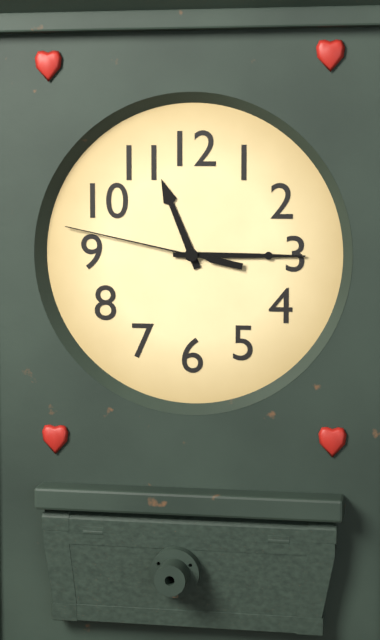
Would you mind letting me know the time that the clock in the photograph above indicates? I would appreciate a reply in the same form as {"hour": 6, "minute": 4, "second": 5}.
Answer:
{"hour": 11, "minute": 15, "second": 47}
